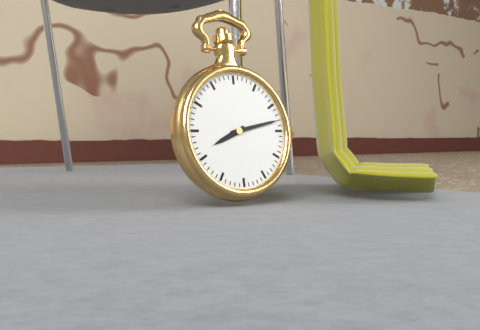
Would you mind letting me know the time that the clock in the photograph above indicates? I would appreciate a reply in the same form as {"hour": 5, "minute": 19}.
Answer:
{"hour": 8, "minute": 13}
